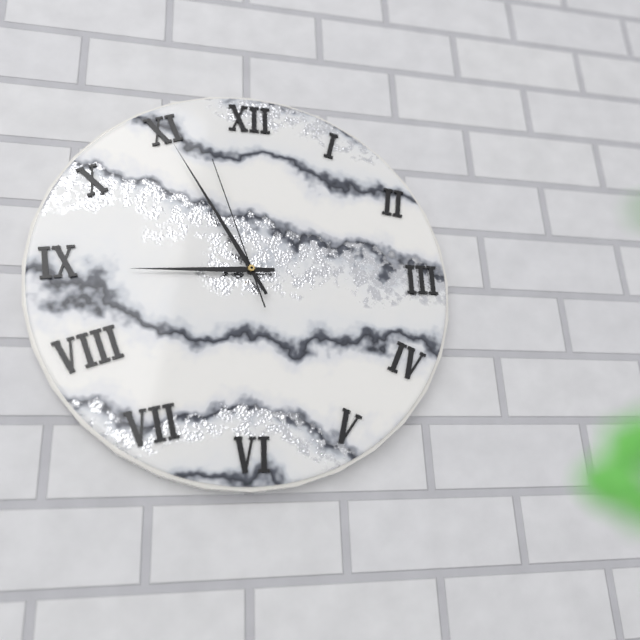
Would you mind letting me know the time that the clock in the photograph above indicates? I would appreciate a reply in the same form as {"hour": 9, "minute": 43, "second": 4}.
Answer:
{"hour": 8, "minute": 55, "second": 57}
